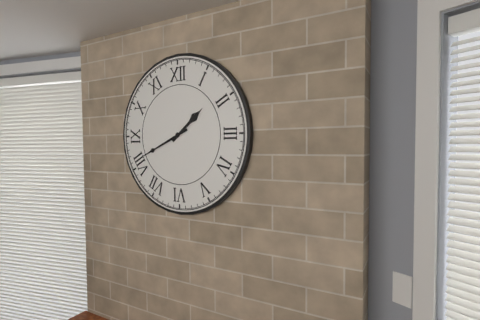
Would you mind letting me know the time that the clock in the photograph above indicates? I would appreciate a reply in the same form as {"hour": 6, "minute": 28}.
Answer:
{"hour": 1, "minute": 41}
